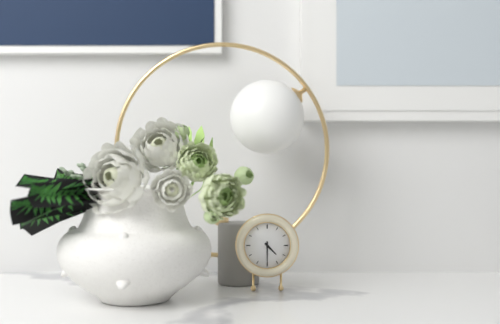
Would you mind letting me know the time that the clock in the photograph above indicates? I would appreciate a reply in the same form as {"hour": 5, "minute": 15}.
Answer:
{"hour": 4, "minute": 30}
